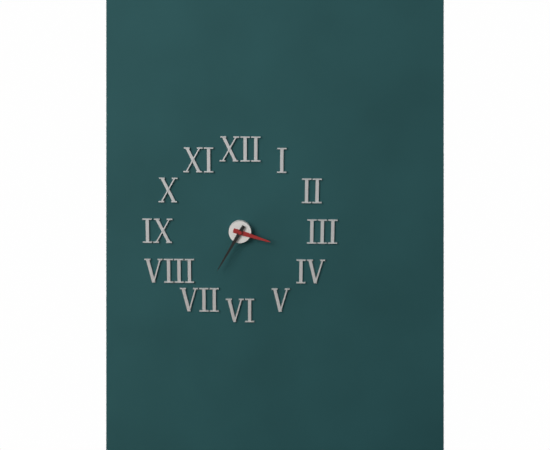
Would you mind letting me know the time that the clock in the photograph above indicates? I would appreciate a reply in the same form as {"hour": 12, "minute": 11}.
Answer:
{"hour": 3, "minute": 35}
